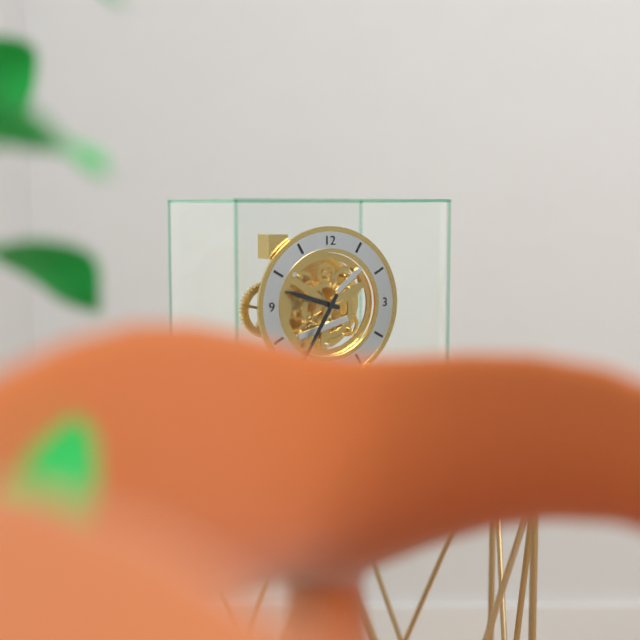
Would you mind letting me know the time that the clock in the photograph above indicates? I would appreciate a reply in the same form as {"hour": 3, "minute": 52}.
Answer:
{"hour": 9, "minute": 35}
